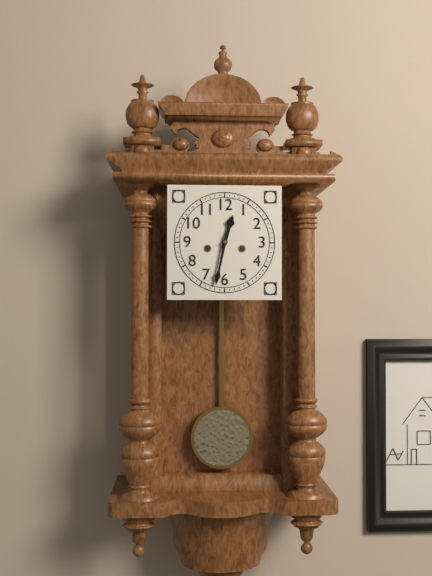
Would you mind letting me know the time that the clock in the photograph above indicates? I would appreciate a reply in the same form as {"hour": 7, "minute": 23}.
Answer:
{"hour": 12, "minute": 32}
